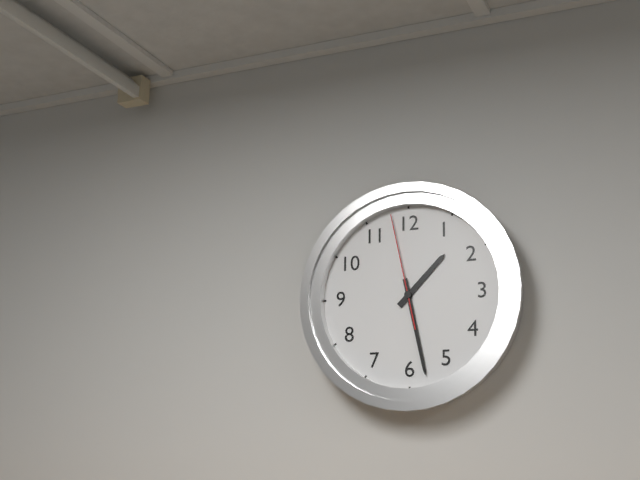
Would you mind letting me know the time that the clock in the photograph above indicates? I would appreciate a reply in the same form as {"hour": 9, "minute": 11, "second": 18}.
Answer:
{"hour": 1, "minute": 28, "second": 58}
